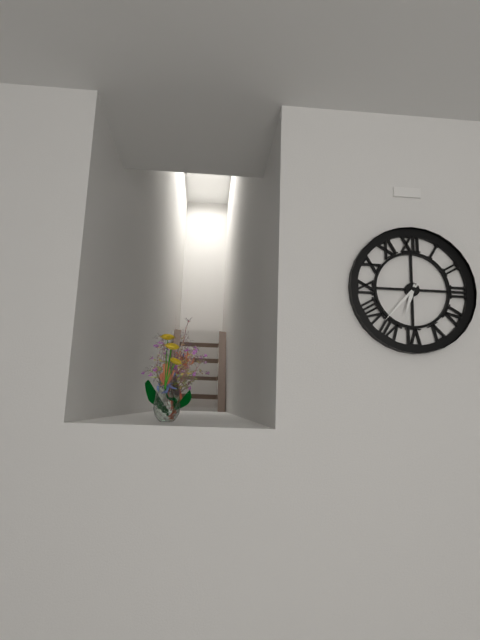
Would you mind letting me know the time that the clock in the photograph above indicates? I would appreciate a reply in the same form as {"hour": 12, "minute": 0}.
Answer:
{"hour": 6, "minute": 37}
